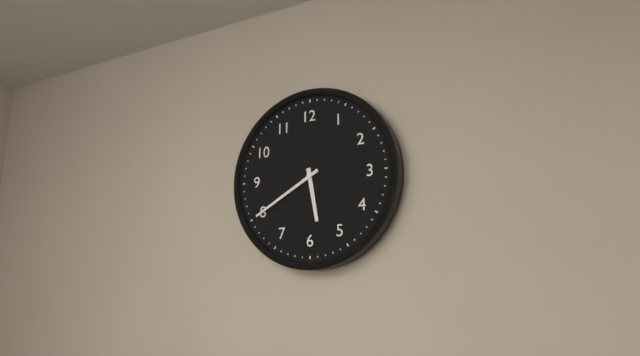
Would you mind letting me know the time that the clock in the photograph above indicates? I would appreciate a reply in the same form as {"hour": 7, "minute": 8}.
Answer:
{"hour": 5, "minute": 40}
